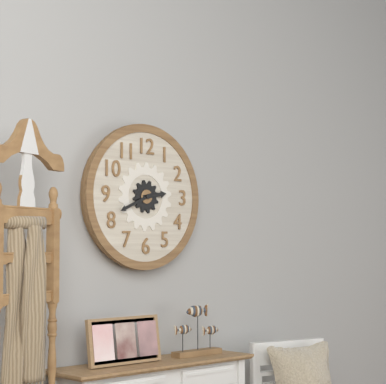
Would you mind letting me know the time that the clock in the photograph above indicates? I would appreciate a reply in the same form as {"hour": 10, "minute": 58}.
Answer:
{"hour": 2, "minute": 41}
